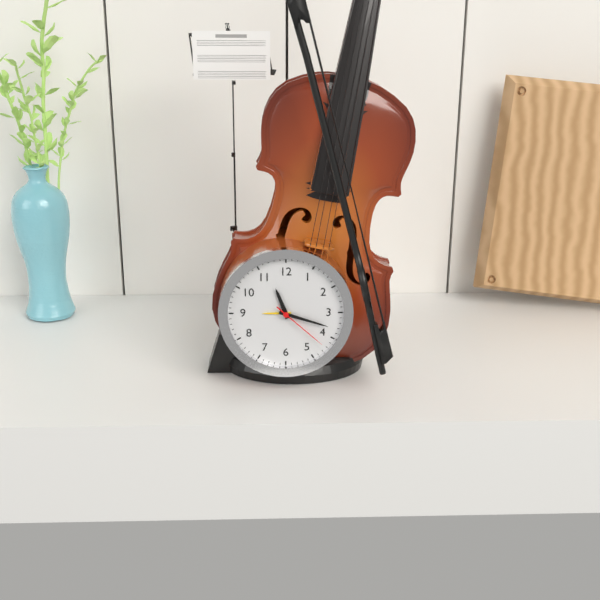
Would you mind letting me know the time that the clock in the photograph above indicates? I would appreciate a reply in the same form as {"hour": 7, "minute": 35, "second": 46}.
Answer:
{"hour": 11, "minute": 18, "second": 22}
